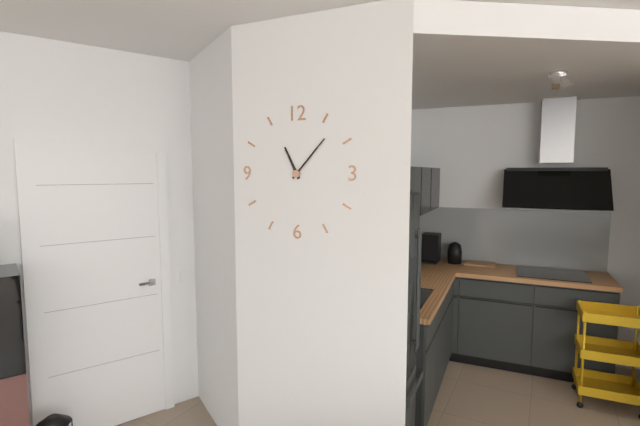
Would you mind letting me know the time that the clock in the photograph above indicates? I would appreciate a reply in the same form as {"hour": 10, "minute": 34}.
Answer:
{"hour": 11, "minute": 7}
